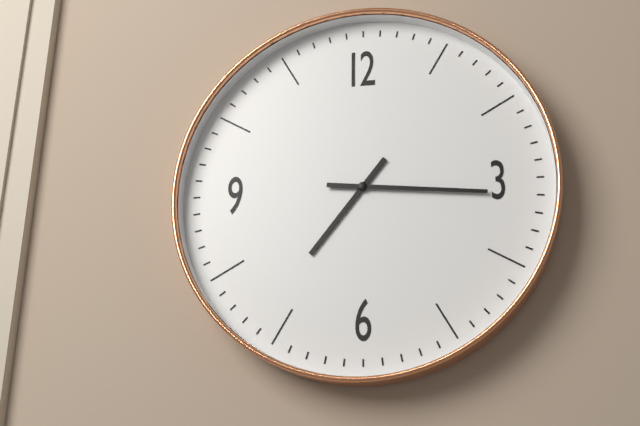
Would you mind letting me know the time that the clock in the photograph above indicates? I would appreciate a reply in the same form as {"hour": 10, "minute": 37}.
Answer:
{"hour": 7, "minute": 16}
